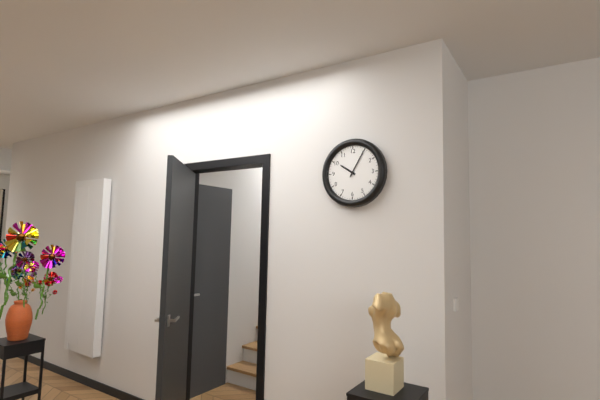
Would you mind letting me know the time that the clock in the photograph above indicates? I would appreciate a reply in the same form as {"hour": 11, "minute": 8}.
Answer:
{"hour": 10, "minute": 5}
